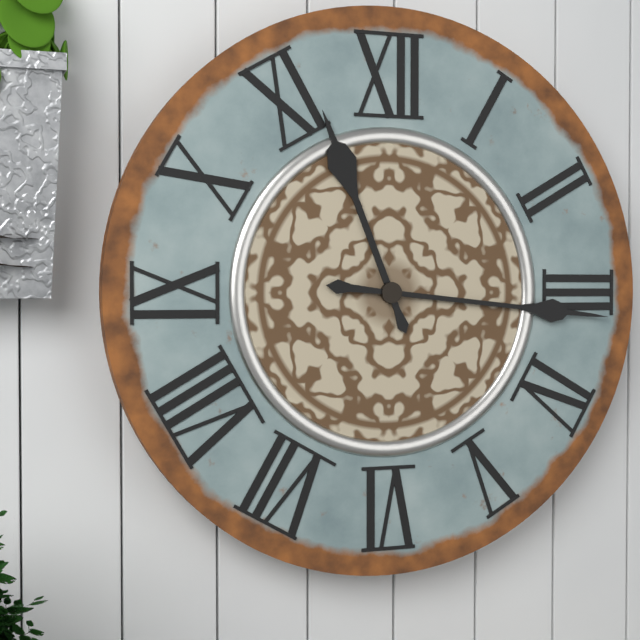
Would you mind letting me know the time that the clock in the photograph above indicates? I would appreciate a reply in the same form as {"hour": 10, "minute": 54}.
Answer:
{"hour": 11, "minute": 16}
